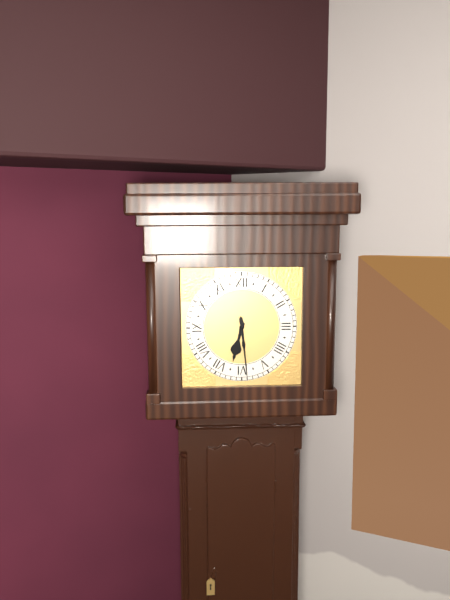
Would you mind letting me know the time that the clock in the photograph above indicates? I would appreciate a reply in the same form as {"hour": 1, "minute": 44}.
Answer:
{"hour": 6, "minute": 29}
